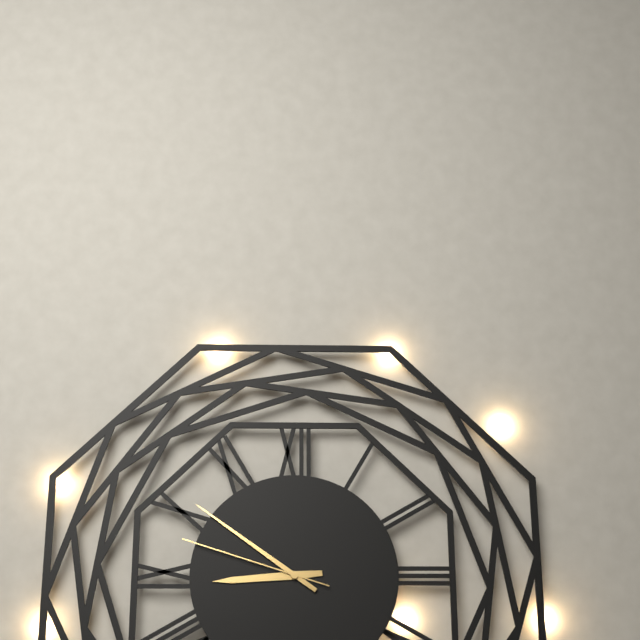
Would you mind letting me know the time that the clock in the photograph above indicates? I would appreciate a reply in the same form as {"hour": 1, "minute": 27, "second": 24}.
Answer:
{"hour": 8, "minute": 51, "second": 48}
